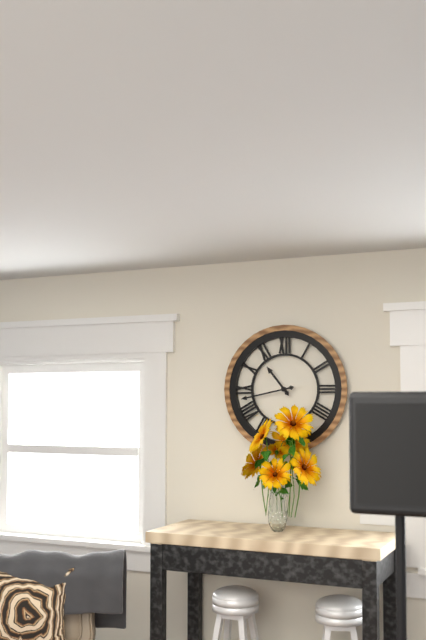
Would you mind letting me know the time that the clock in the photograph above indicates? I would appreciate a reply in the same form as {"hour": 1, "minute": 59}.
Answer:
{"hour": 10, "minute": 43}
